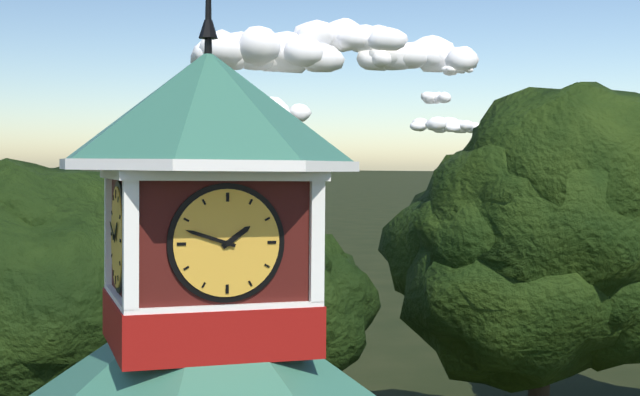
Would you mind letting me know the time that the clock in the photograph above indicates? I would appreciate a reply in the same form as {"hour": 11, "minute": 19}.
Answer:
{"hour": 1, "minute": 48}
